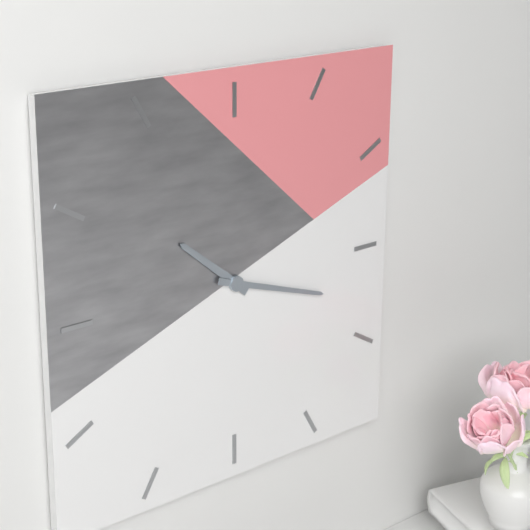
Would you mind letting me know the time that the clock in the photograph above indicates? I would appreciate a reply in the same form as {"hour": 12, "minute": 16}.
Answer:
{"hour": 10, "minute": 18}
